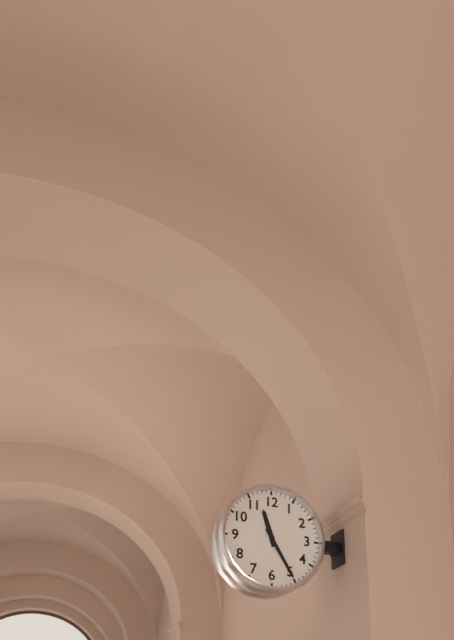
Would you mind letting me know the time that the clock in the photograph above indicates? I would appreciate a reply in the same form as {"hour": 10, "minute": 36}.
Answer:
{"hour": 11, "minute": 25}
